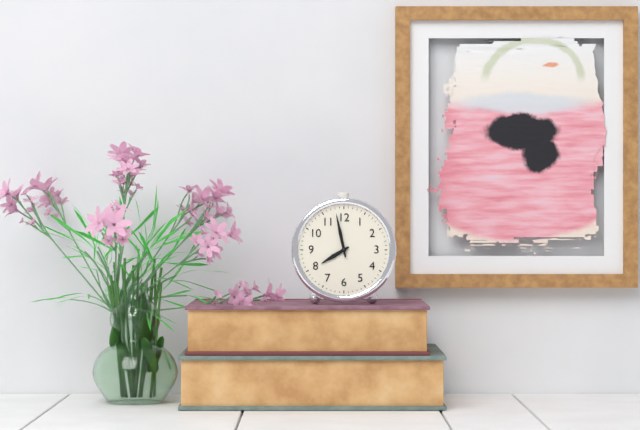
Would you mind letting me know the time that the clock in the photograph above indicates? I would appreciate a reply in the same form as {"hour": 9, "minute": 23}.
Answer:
{"hour": 7, "minute": 58}
